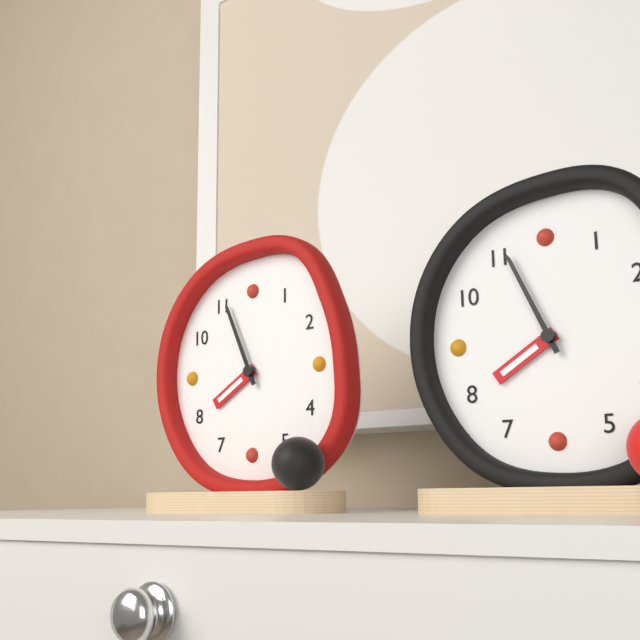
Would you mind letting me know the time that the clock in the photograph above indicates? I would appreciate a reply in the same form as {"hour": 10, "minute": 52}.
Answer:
{"hour": 7, "minute": 56}
